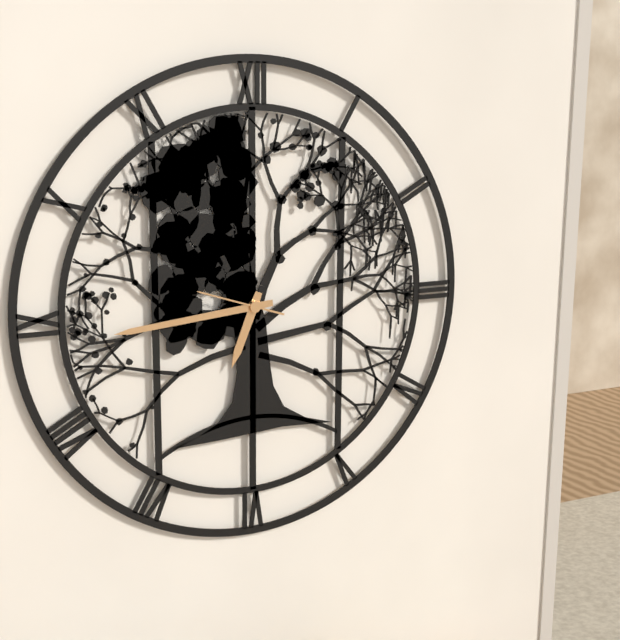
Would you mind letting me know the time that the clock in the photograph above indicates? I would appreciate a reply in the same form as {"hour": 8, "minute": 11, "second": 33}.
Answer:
{"hour": 6, "minute": 44, "second": 48}
